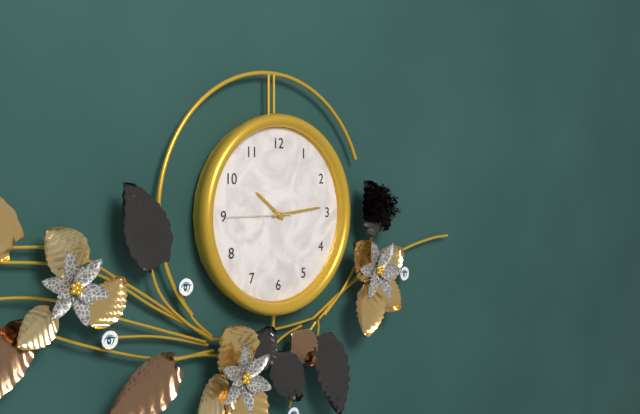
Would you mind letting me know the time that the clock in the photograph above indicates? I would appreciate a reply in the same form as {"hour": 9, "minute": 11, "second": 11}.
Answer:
{"hour": 10, "minute": 14, "second": 45}
